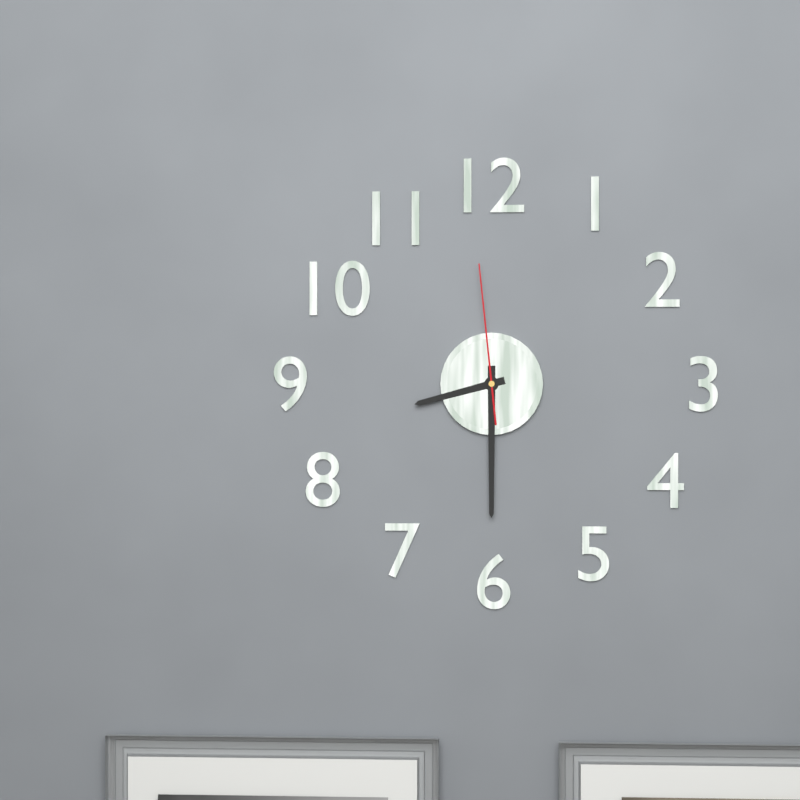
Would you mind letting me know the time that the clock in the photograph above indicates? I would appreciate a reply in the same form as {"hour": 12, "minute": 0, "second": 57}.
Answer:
{"hour": 8, "minute": 30, "second": 59}
